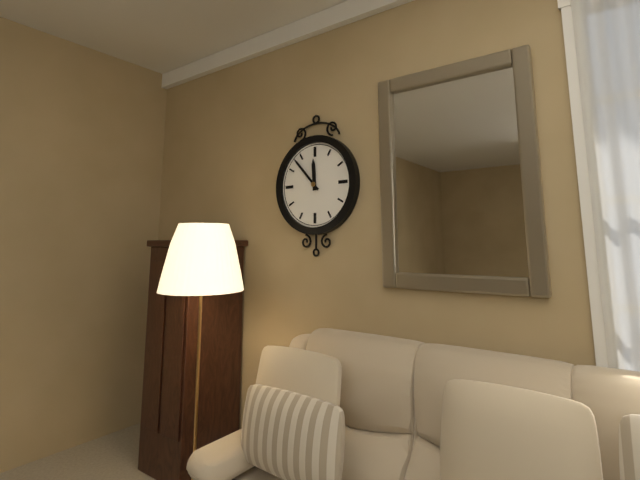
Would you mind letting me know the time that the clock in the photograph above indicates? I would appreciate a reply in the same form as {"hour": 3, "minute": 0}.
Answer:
{"hour": 11, "minute": 53}
